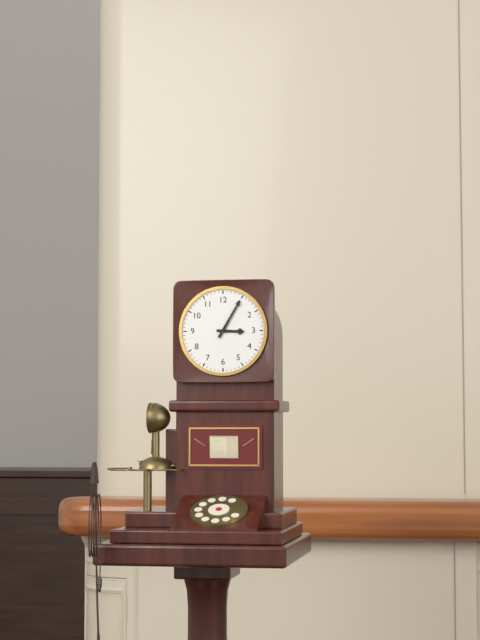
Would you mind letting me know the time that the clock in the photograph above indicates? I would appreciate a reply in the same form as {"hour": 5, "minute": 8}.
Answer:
{"hour": 3, "minute": 5}
